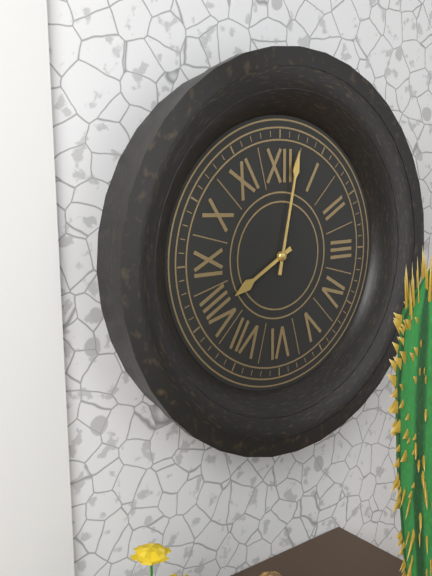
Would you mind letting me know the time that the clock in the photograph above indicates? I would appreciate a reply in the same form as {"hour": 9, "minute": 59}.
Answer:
{"hour": 8, "minute": 2}
